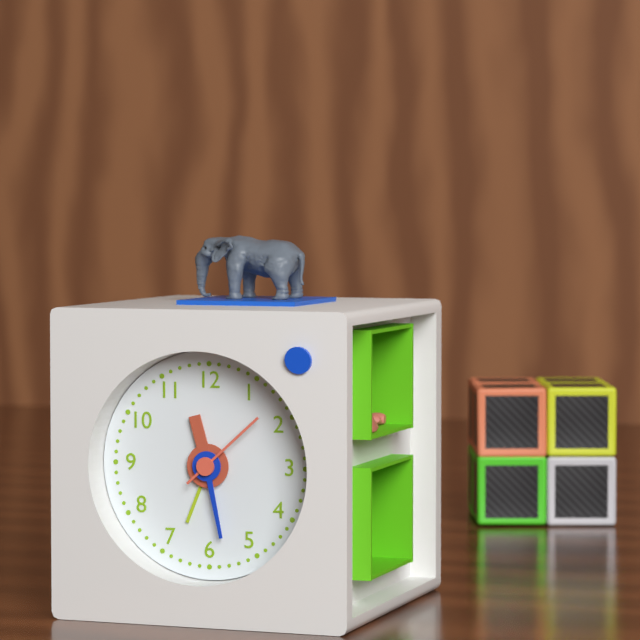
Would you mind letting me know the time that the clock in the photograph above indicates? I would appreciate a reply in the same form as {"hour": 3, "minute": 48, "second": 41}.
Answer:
{"hour": 11, "minute": 28, "second": 8}
